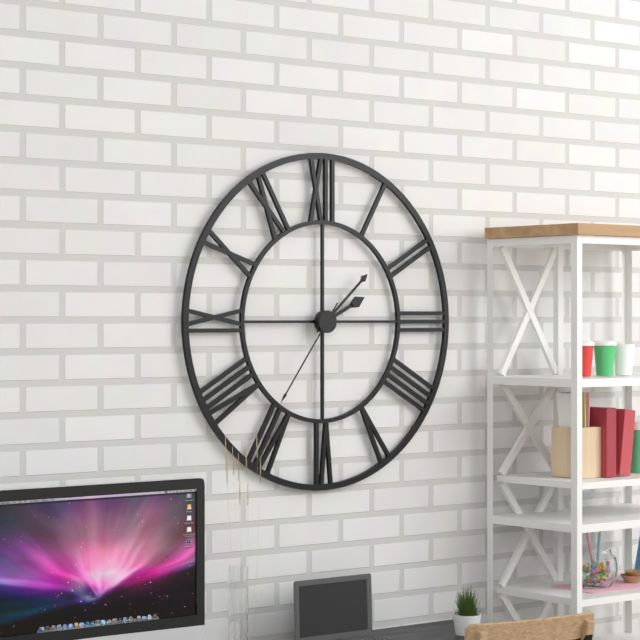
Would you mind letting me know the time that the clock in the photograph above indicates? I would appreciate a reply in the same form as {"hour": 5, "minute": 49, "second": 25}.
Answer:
{"hour": 2, "minute": 8, "second": 36}
